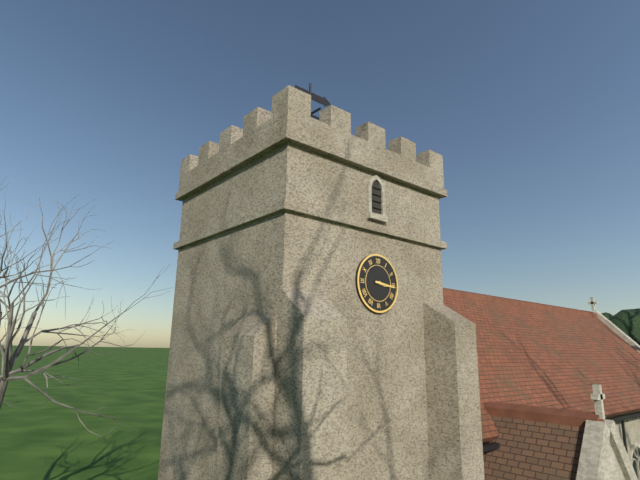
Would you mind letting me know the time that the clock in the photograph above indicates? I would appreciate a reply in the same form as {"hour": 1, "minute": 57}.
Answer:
{"hour": 3, "minute": 16}
